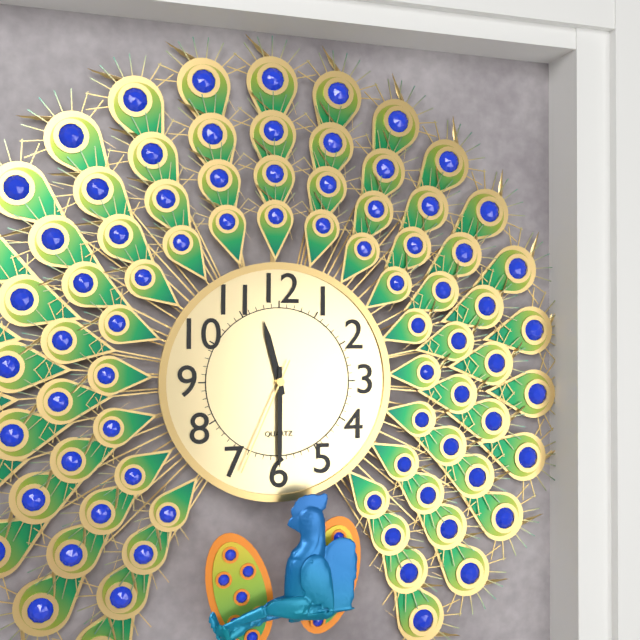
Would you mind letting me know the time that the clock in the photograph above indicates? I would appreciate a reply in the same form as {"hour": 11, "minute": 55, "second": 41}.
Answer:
{"hour": 11, "minute": 30, "second": 34}
